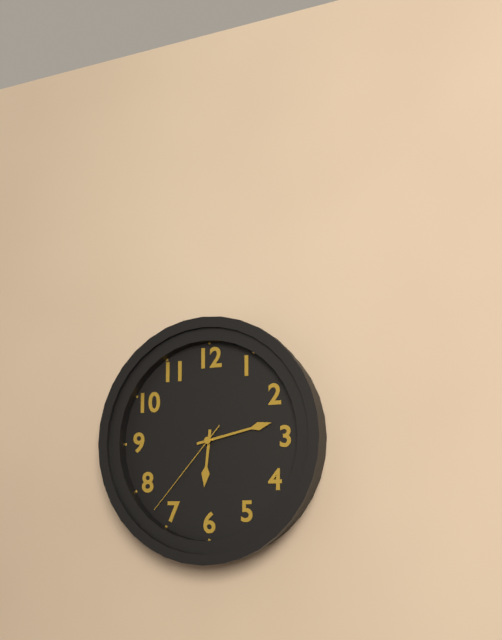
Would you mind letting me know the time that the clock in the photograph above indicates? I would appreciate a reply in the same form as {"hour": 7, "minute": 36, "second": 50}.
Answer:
{"hour": 6, "minute": 13, "second": 37}
